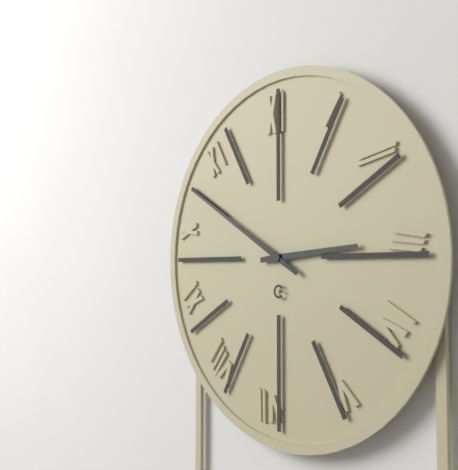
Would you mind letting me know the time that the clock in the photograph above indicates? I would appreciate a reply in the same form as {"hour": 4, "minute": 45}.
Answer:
{"hour": 2, "minute": 50}
